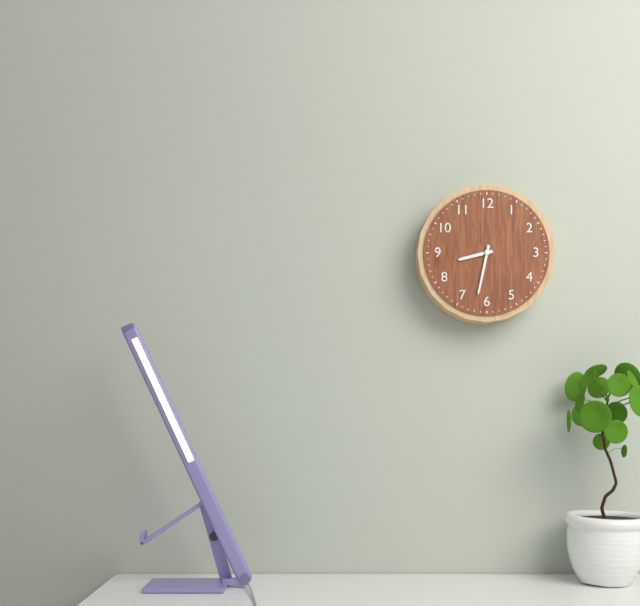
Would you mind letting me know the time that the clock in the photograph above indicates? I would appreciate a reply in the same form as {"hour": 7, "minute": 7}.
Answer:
{"hour": 8, "minute": 32}
